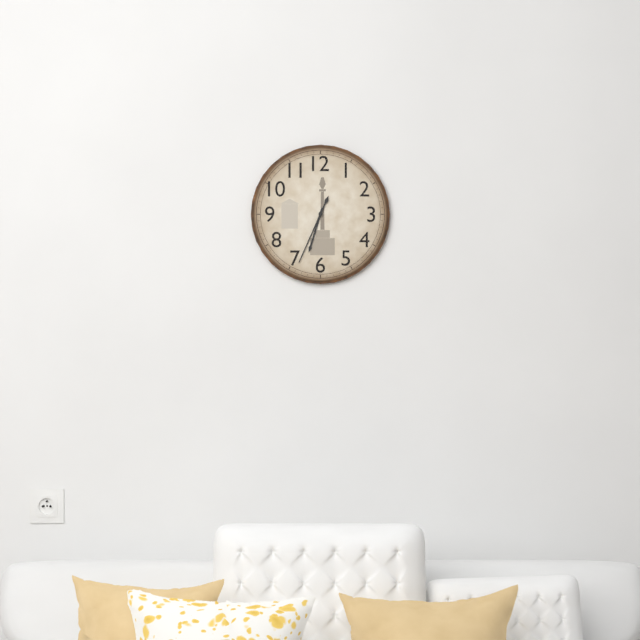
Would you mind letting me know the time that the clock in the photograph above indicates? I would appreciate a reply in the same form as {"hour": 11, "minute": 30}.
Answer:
{"hour": 6, "minute": 34}
